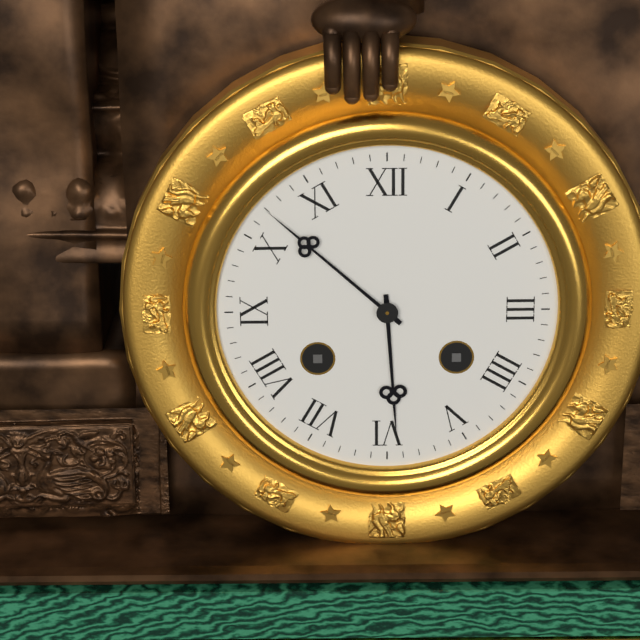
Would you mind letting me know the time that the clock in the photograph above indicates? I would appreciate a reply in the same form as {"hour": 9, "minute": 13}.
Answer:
{"hour": 5, "minute": 52}
